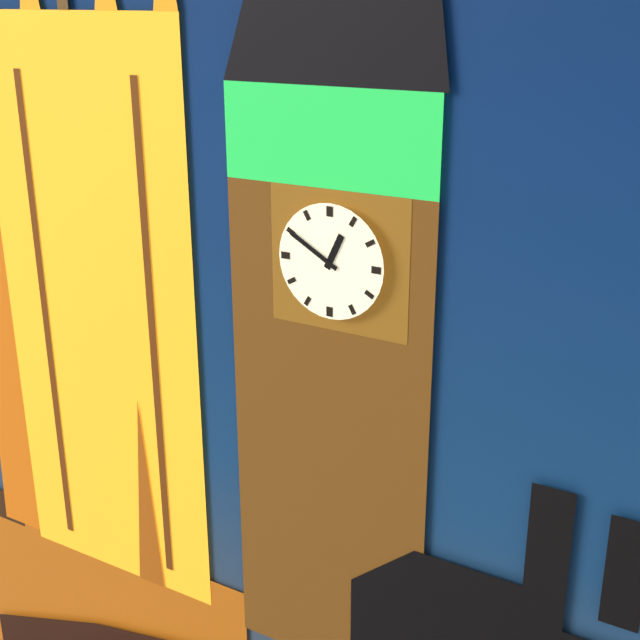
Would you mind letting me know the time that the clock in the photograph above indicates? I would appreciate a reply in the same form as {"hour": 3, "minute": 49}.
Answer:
{"hour": 12, "minute": 50}
